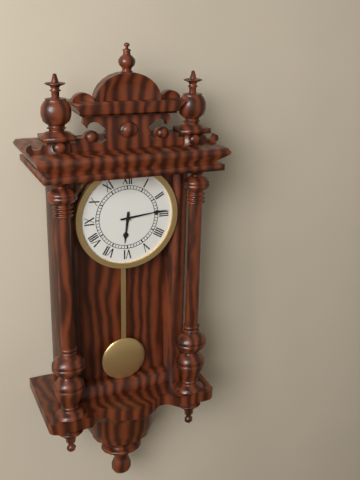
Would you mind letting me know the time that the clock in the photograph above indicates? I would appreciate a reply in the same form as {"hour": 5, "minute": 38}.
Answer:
{"hour": 6, "minute": 14}
